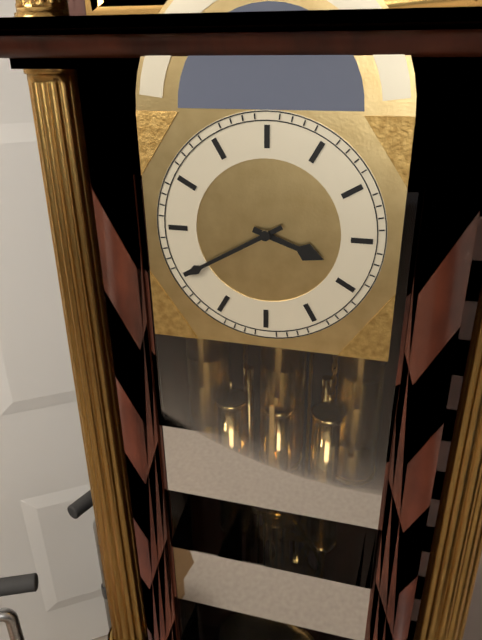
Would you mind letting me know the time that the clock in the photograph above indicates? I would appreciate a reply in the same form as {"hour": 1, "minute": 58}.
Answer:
{"hour": 3, "minute": 40}
